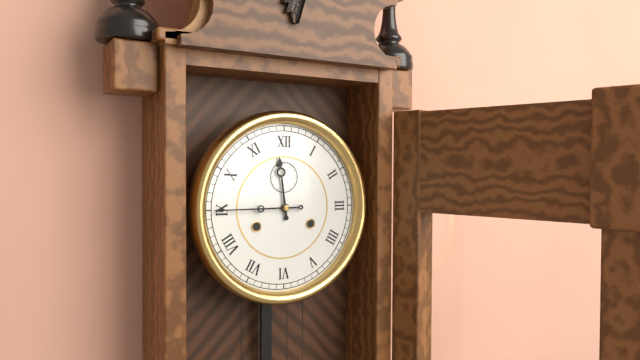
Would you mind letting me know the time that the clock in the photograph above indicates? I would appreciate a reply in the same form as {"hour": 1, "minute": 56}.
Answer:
{"hour": 11, "minute": 45}
